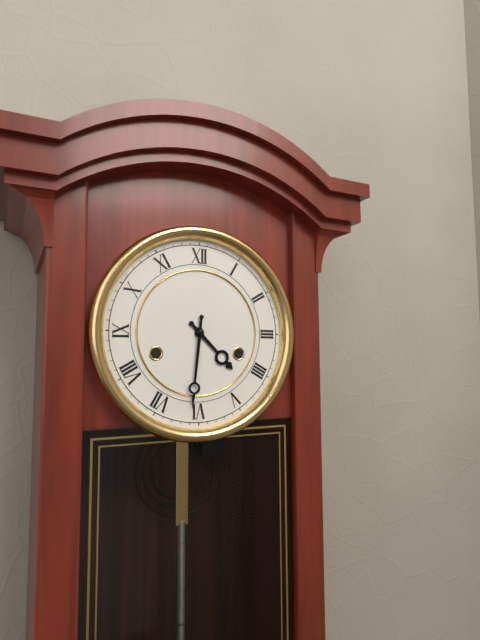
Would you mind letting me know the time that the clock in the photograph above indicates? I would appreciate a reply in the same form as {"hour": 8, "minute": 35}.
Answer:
{"hour": 4, "minute": 31}
